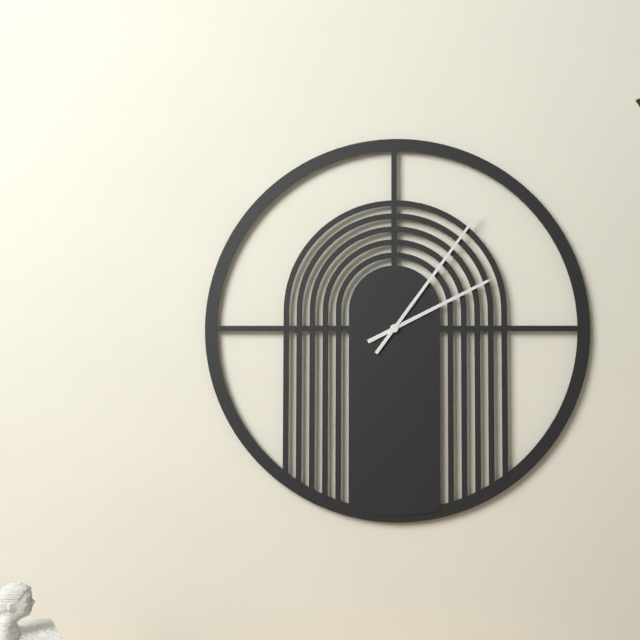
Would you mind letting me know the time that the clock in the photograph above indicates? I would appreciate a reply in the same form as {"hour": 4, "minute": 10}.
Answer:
{"hour": 2, "minute": 6}
